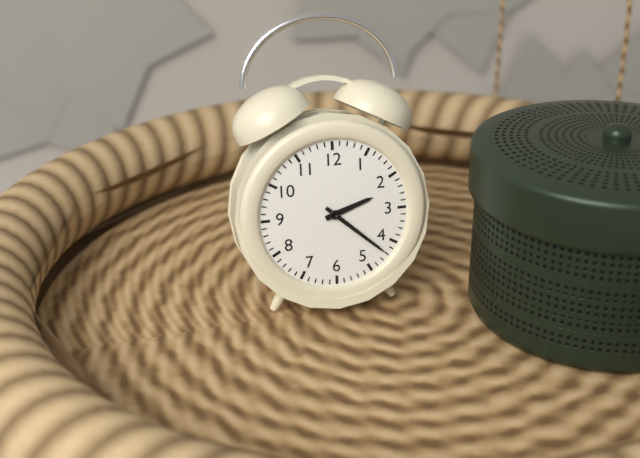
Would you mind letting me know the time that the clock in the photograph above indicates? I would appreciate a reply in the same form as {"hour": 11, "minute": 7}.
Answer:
{"hour": 2, "minute": 22}
